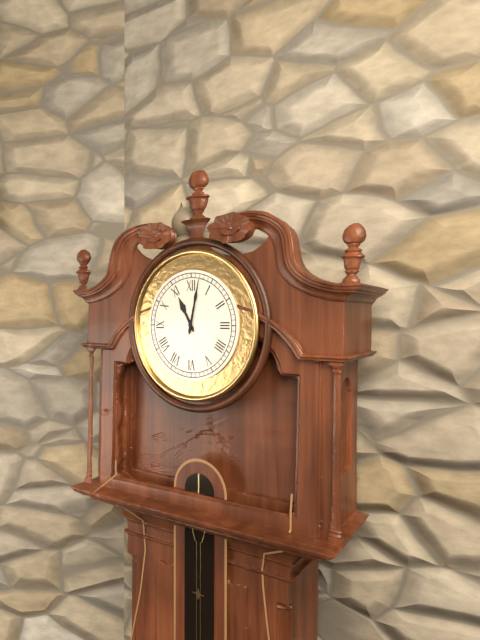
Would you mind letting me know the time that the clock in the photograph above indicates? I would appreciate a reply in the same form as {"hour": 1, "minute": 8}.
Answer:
{"hour": 11, "minute": 2}
